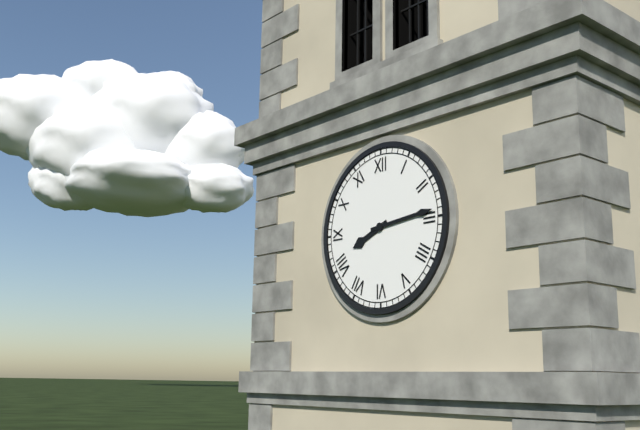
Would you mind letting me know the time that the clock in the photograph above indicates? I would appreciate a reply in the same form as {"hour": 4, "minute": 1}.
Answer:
{"hour": 8, "minute": 14}
